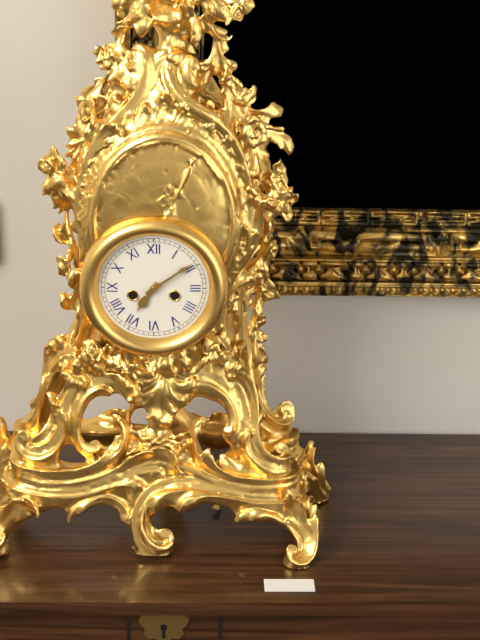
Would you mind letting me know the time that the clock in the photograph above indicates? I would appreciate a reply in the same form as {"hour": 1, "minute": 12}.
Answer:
{"hour": 7, "minute": 9}
